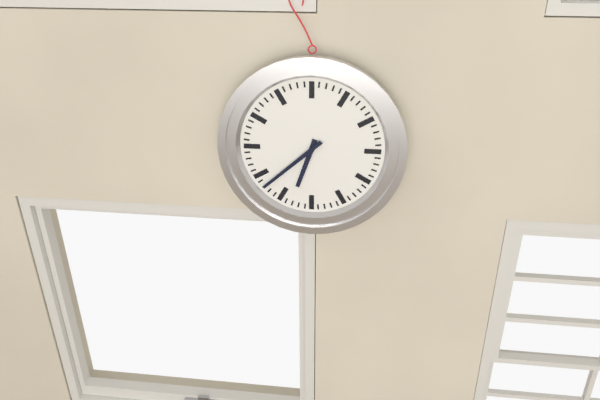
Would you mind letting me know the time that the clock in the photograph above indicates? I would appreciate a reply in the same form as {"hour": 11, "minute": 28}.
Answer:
{"hour": 6, "minute": 38}
